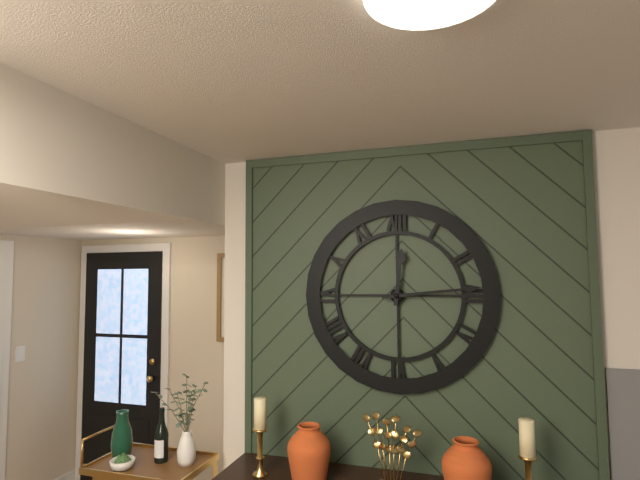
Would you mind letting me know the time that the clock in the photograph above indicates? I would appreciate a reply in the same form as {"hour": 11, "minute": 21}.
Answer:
{"hour": 12, "minute": 14}
